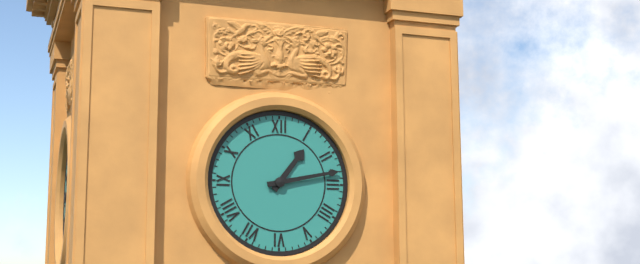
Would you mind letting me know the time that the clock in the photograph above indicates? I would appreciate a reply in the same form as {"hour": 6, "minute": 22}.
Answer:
{"hour": 1, "minute": 13}
